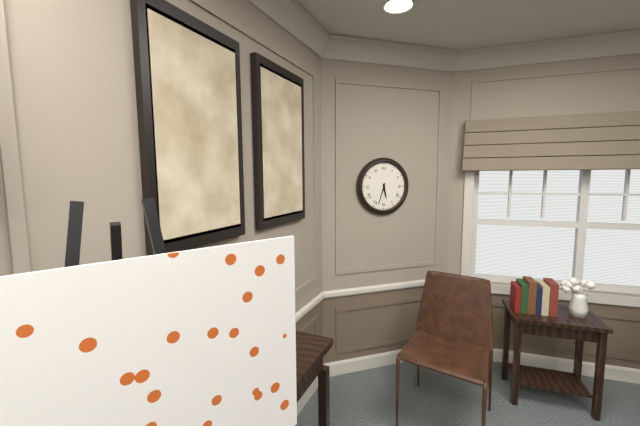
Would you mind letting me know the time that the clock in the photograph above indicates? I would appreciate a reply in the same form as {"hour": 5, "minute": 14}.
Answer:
{"hour": 5, "minute": 33}
